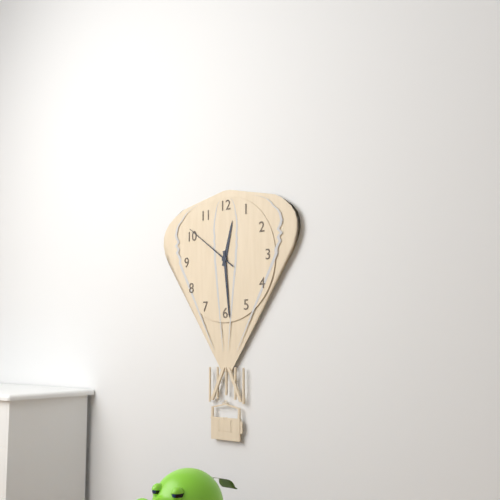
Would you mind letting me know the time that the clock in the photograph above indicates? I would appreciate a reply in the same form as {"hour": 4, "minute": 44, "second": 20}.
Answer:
{"hour": 12, "minute": 29, "second": 51}
